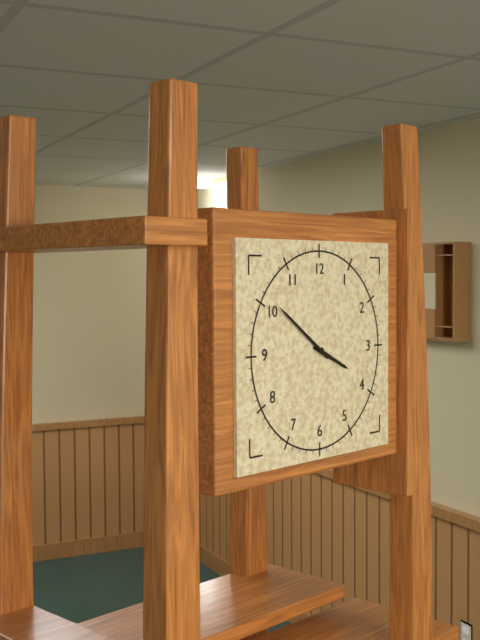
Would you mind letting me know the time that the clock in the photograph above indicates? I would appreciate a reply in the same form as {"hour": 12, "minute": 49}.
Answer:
{"hour": 3, "minute": 51}
